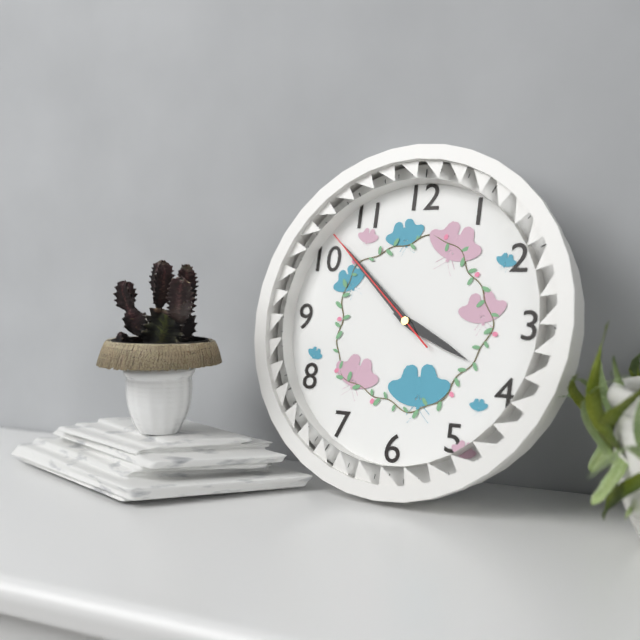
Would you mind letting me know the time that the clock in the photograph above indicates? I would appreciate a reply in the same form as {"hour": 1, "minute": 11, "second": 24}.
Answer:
{"hour": 3, "minute": 52, "second": 52}
